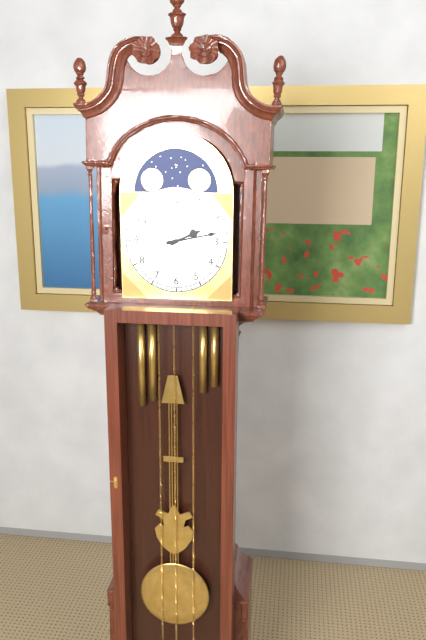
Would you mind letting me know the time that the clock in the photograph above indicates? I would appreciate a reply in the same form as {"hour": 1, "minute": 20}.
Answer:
{"hour": 2, "minute": 13}
